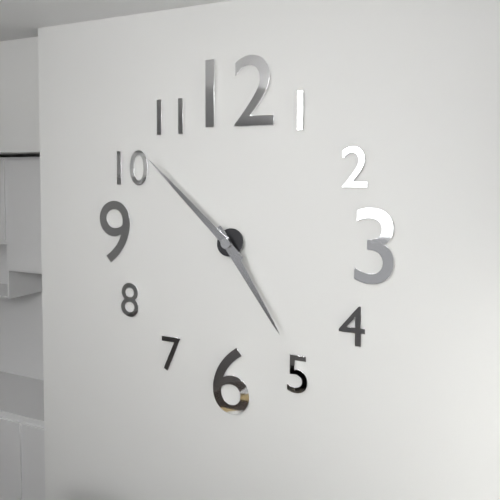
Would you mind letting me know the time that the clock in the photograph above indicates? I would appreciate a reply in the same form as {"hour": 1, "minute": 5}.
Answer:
{"hour": 4, "minute": 52}
